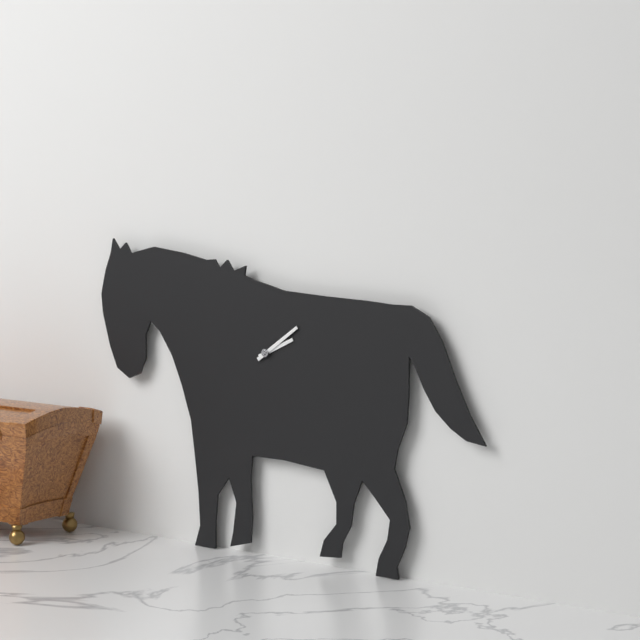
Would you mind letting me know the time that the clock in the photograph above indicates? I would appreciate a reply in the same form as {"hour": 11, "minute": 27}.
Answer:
{"hour": 2, "minute": 9}
